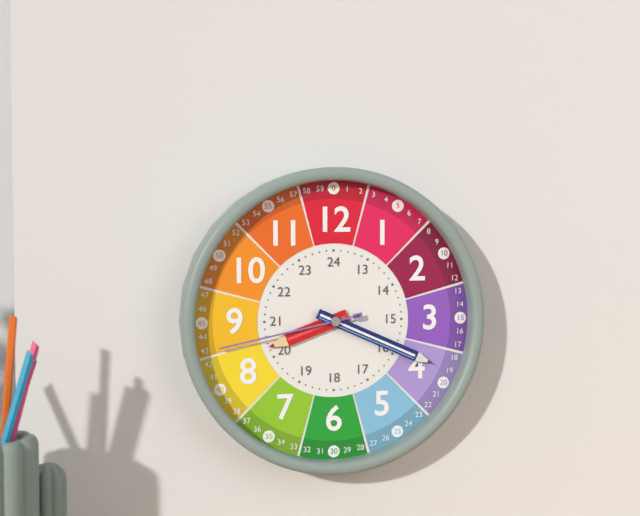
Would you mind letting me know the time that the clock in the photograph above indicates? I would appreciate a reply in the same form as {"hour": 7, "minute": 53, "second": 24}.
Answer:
{"hour": 8, "minute": 19, "second": 43}
